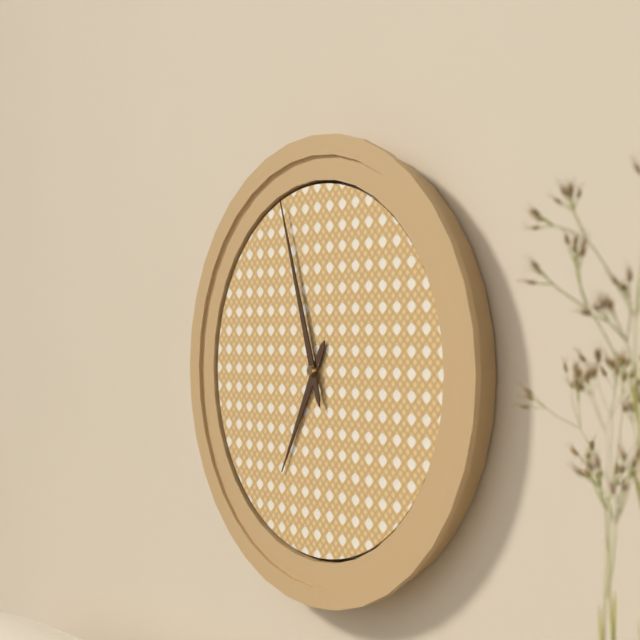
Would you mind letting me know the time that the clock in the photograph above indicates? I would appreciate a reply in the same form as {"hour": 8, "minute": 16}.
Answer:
{"hour": 6, "minute": 57}
